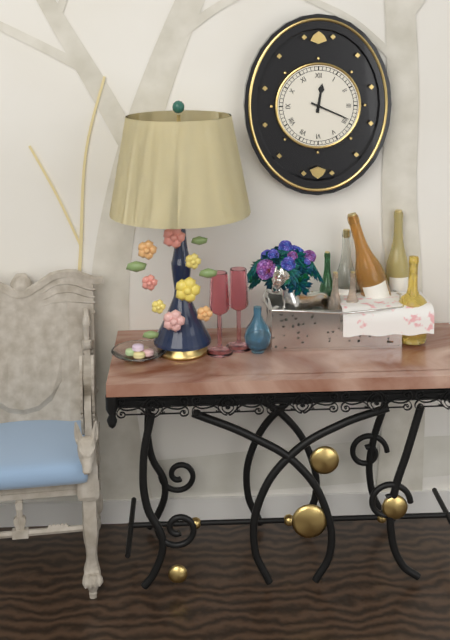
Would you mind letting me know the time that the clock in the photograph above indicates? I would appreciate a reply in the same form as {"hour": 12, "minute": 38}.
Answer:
{"hour": 12, "minute": 19}
